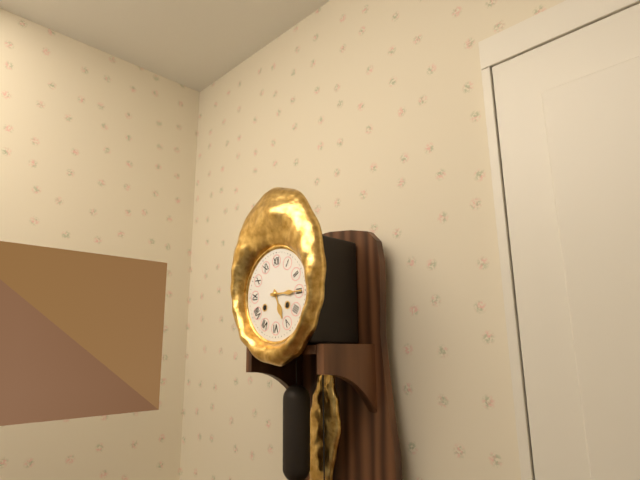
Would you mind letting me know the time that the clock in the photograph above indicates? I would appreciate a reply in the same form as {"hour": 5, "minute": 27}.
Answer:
{"hour": 5, "minute": 15}
